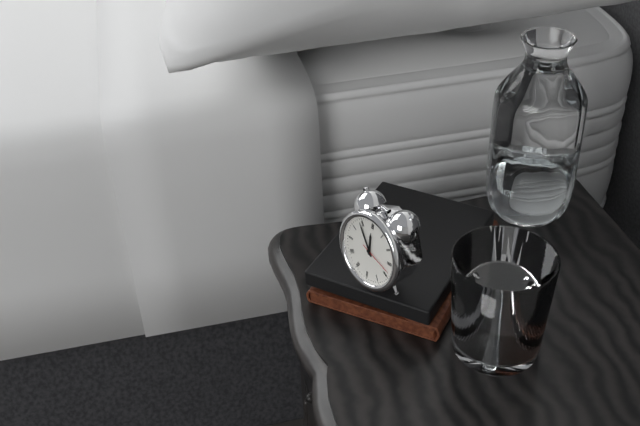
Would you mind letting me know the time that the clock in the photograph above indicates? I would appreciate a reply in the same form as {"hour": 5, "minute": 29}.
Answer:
{"hour": 11, "minute": 54}
